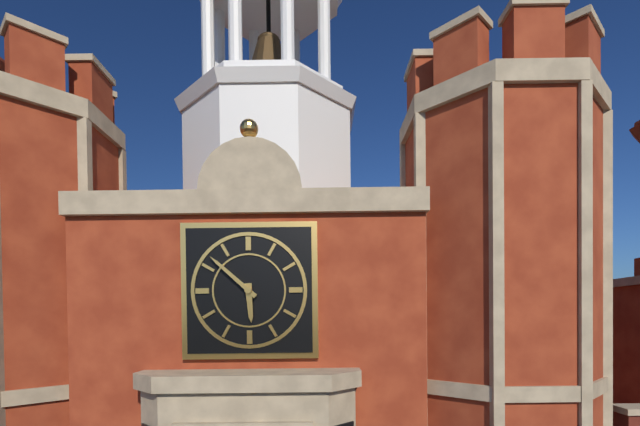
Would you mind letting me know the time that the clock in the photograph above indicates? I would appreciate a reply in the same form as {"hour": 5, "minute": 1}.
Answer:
{"hour": 5, "minute": 52}
